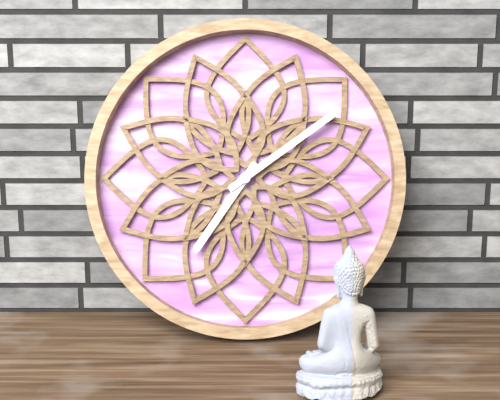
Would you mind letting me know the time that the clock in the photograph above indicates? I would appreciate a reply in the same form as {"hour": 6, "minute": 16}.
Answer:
{"hour": 7, "minute": 9}
